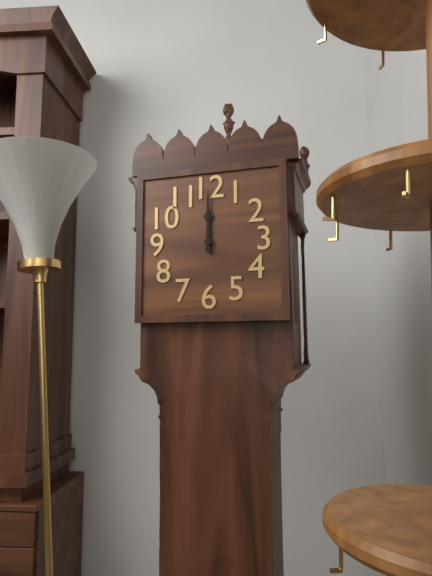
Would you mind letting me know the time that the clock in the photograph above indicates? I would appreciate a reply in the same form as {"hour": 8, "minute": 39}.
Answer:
{"hour": 12, "minute": 0}
